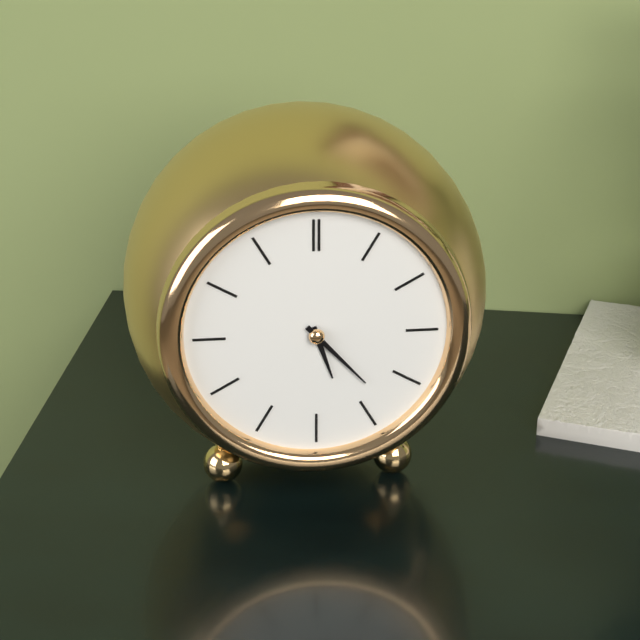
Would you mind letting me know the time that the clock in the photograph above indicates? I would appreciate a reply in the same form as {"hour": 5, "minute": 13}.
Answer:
{"hour": 5, "minute": 23}
